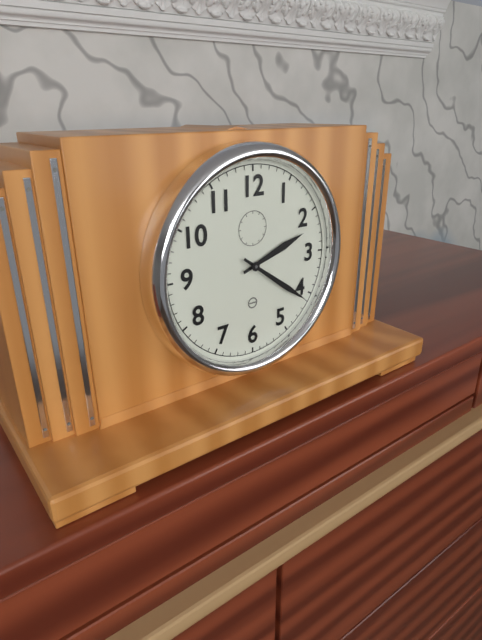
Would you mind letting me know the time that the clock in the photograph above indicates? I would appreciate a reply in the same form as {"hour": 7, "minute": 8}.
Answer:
{"hour": 2, "minute": 21}
